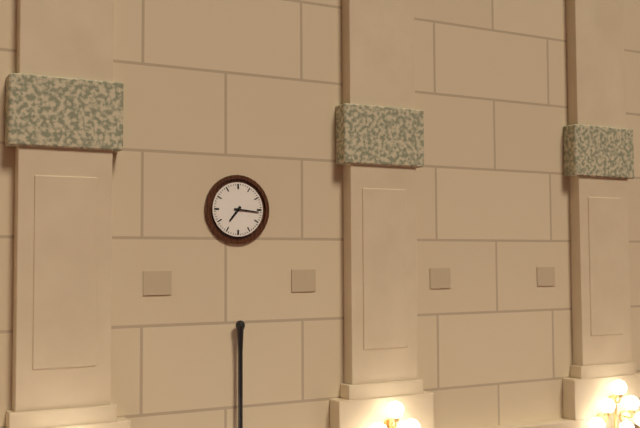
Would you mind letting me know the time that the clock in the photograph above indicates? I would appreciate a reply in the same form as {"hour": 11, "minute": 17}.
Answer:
{"hour": 7, "minute": 16}
